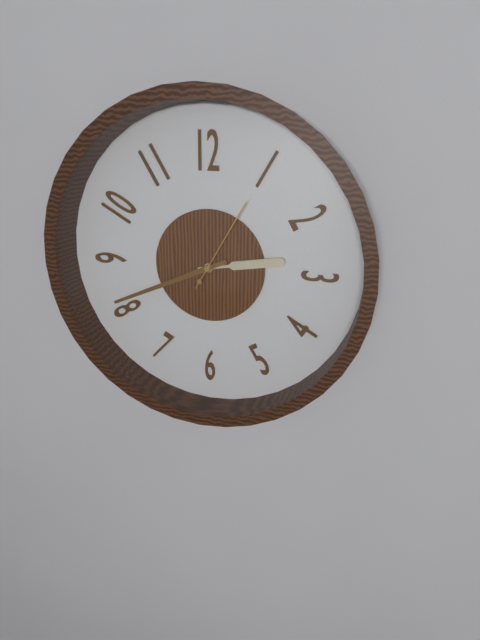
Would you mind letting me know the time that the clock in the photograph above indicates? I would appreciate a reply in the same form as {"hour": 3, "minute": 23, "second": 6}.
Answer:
{"hour": 2, "minute": 41, "second": 5}
